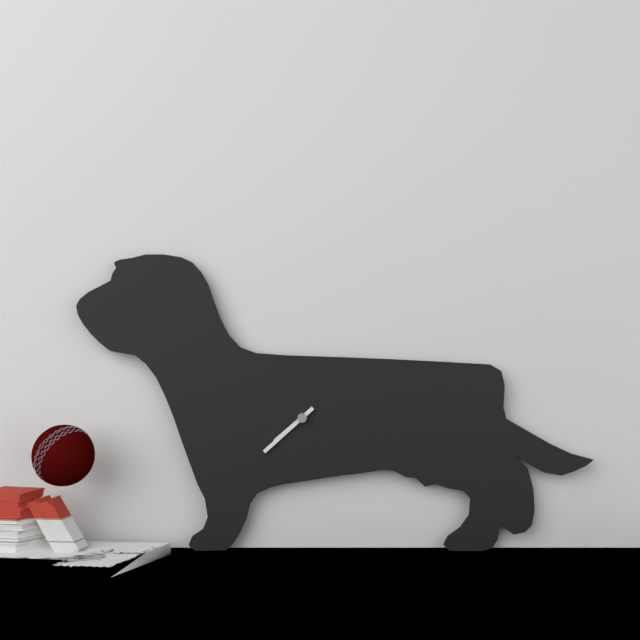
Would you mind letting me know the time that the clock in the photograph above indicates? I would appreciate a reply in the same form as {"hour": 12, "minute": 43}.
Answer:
{"hour": 7, "minute": 38}
